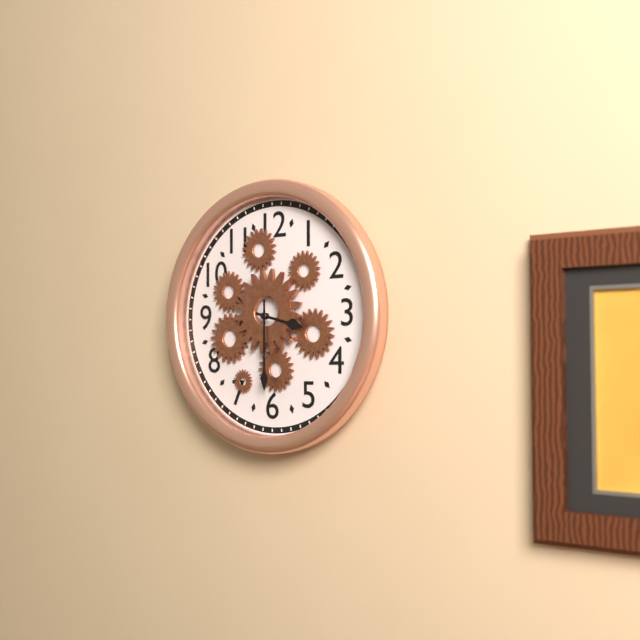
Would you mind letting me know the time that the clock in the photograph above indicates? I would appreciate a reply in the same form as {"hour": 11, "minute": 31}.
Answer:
{"hour": 3, "minute": 30}
